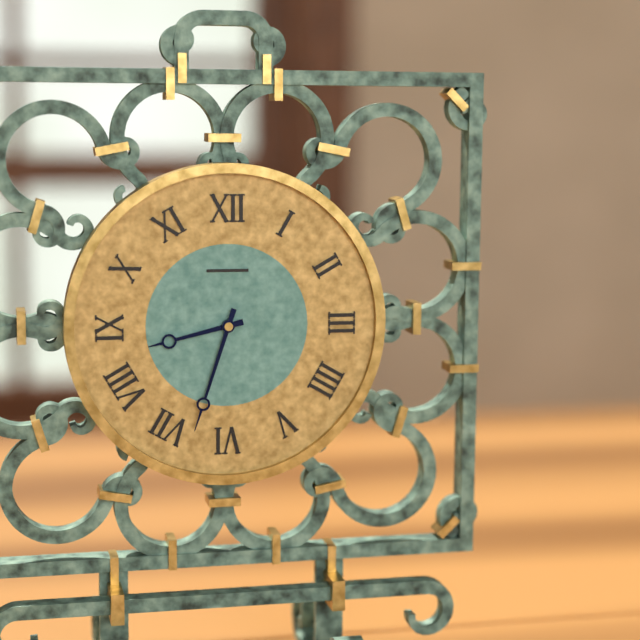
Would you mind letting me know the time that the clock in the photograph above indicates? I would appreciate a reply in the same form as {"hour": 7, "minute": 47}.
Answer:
{"hour": 8, "minute": 33}
